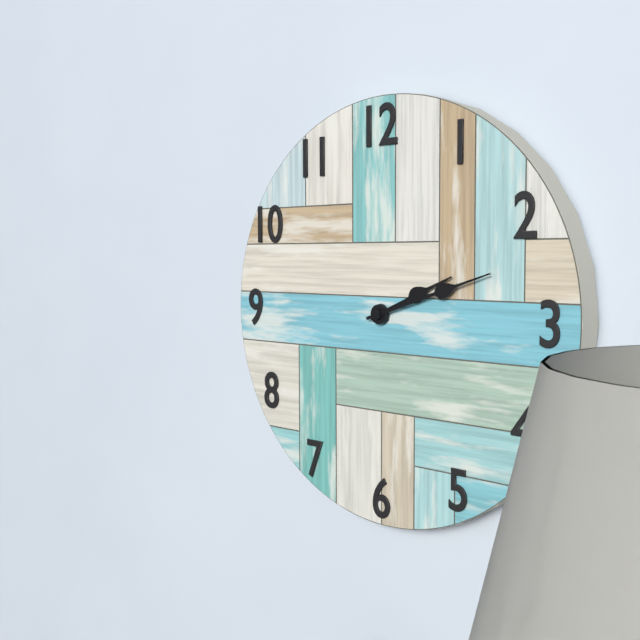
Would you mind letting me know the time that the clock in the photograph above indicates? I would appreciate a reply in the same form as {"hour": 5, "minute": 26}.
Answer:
{"hour": 2, "minute": 12}
